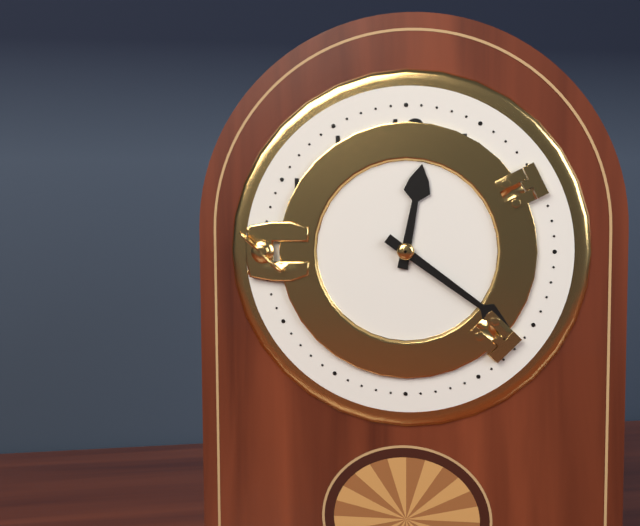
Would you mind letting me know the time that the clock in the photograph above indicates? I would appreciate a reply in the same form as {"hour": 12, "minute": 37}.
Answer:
{"hour": 12, "minute": 21}
